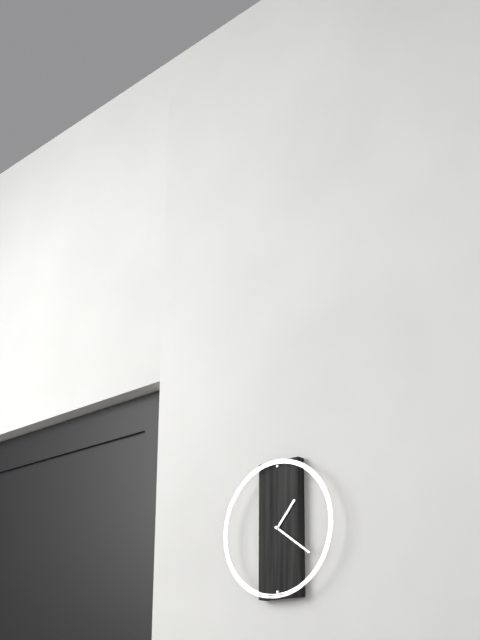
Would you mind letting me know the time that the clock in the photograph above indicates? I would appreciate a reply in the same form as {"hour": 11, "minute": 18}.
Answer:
{"hour": 1, "minute": 21}
